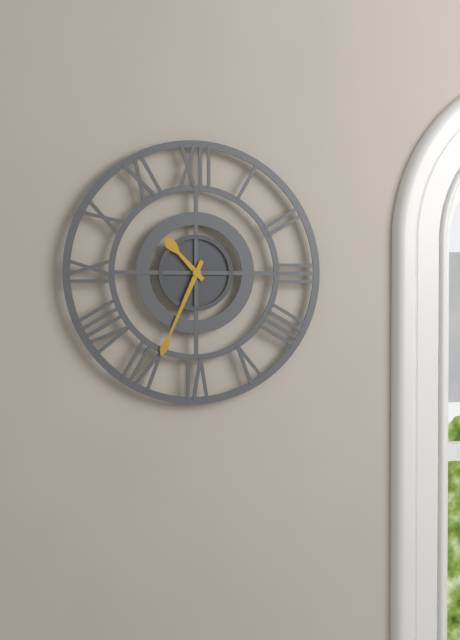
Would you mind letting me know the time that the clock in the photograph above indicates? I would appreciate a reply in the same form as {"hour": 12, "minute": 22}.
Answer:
{"hour": 10, "minute": 34}
